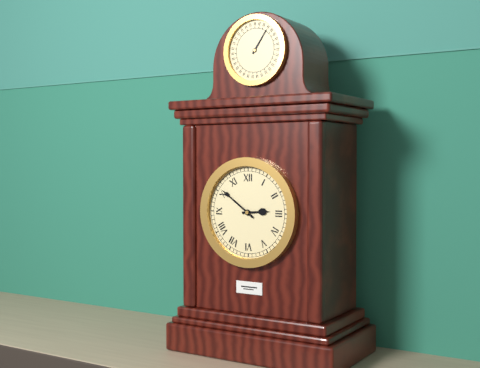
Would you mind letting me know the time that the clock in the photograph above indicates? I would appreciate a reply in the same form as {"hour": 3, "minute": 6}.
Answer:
{"hour": 2, "minute": 51}
